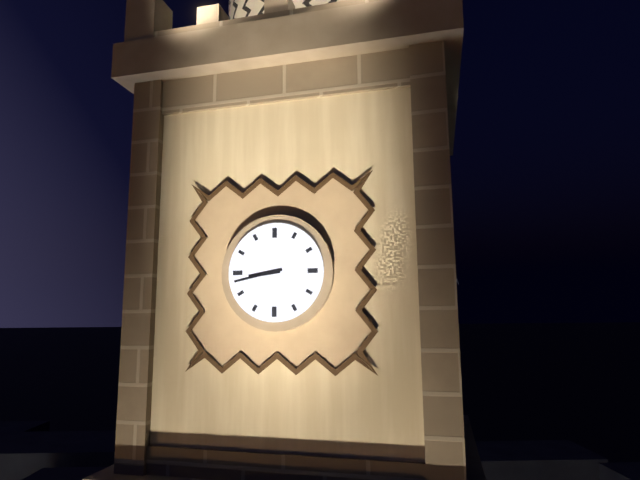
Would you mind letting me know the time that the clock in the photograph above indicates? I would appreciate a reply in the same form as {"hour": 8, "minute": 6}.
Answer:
{"hour": 8, "minute": 43}
